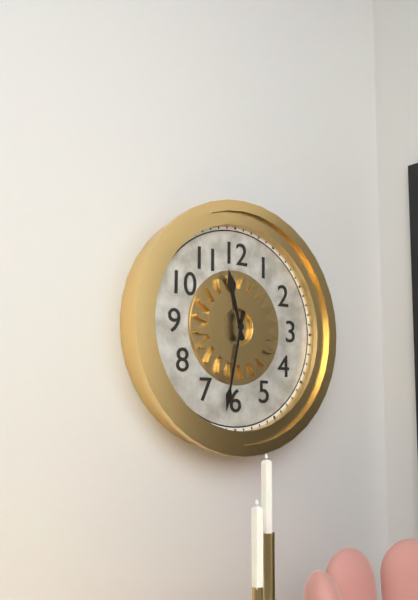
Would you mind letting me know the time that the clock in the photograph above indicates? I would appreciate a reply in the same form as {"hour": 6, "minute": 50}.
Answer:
{"hour": 11, "minute": 32}
